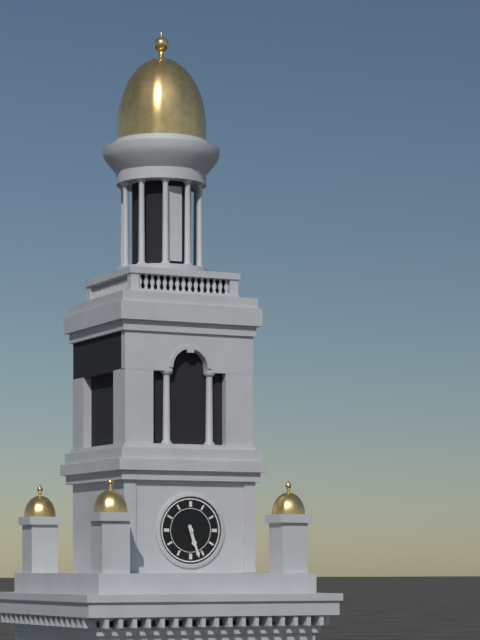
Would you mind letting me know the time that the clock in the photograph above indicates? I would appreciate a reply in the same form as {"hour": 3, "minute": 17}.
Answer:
{"hour": 5, "minute": 27}
